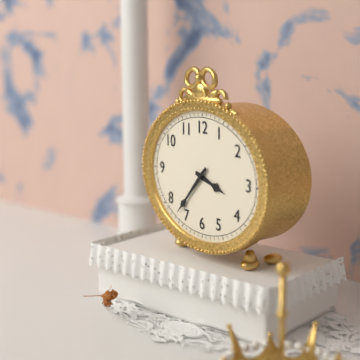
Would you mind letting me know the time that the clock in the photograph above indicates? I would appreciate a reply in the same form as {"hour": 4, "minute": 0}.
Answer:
{"hour": 3, "minute": 37}
